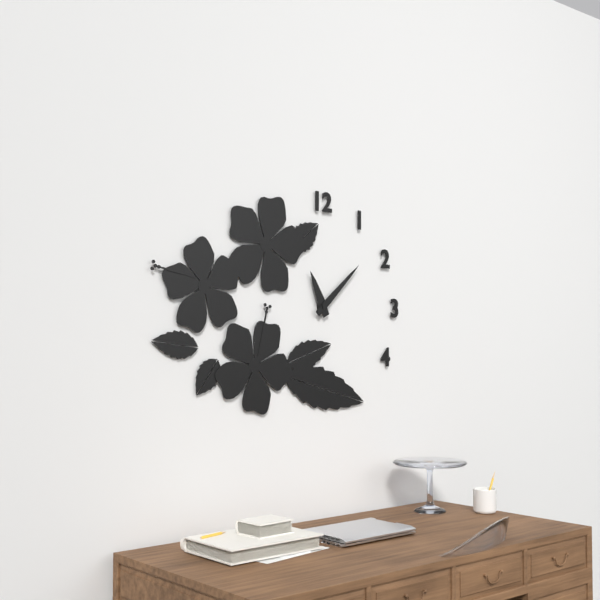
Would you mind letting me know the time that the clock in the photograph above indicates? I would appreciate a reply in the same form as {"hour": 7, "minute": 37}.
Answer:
{"hour": 11, "minute": 8}
